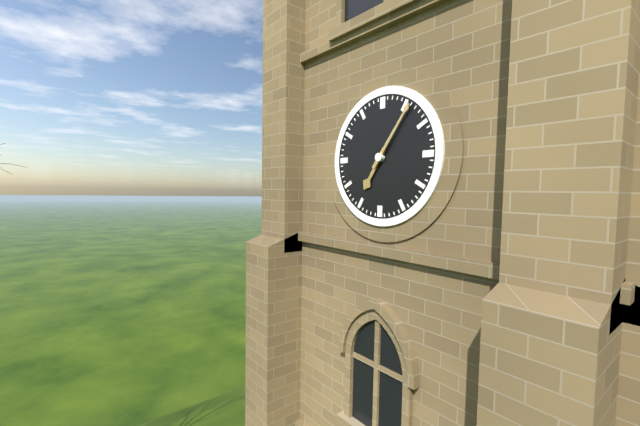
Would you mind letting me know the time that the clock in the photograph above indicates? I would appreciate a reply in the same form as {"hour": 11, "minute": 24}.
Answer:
{"hour": 7, "minute": 6}
